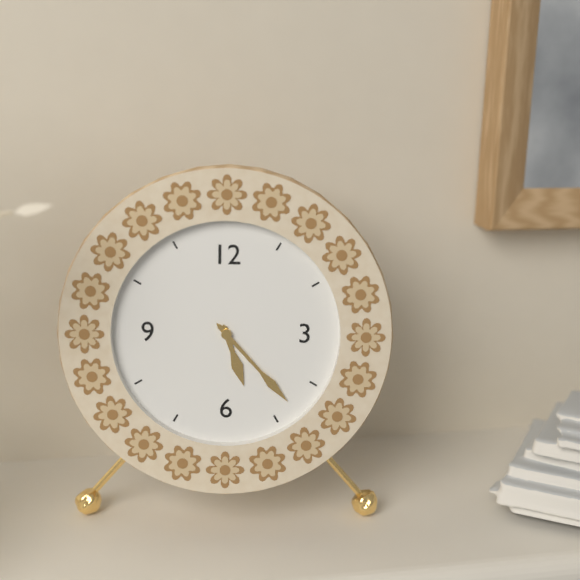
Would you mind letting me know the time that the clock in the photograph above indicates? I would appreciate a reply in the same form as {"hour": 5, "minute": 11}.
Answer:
{"hour": 5, "minute": 23}
